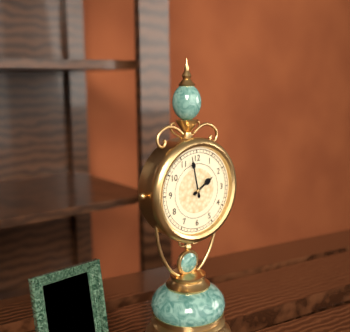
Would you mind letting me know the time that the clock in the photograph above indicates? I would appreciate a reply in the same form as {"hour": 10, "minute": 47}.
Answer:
{"hour": 1, "minute": 58}
